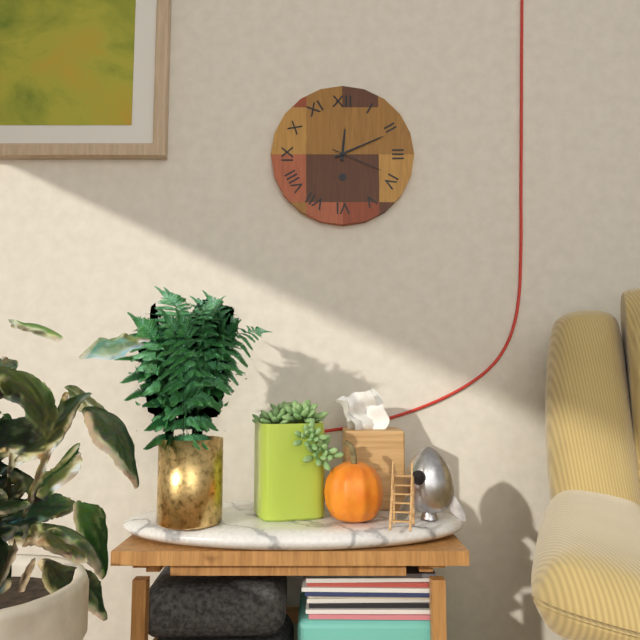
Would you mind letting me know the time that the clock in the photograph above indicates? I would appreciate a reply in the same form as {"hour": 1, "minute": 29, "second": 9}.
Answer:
{"hour": 12, "minute": 11, "second": 19}
